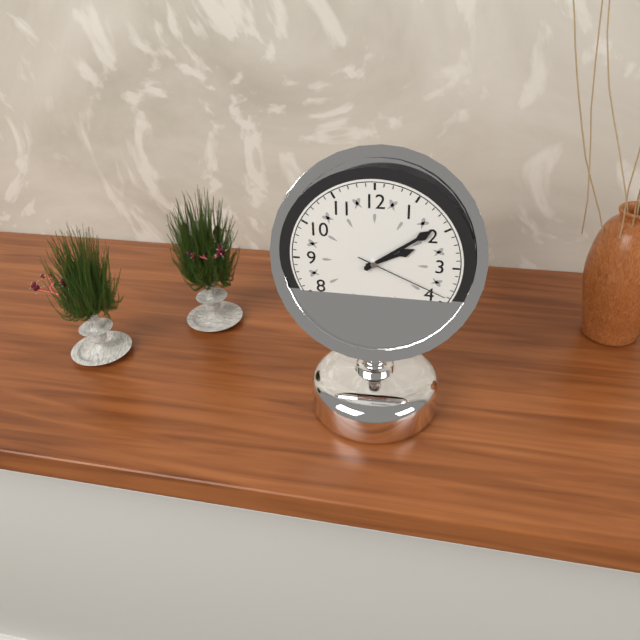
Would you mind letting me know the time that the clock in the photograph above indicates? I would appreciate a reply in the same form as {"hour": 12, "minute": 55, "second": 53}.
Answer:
{"hour": 2, "minute": 9, "second": 19}
